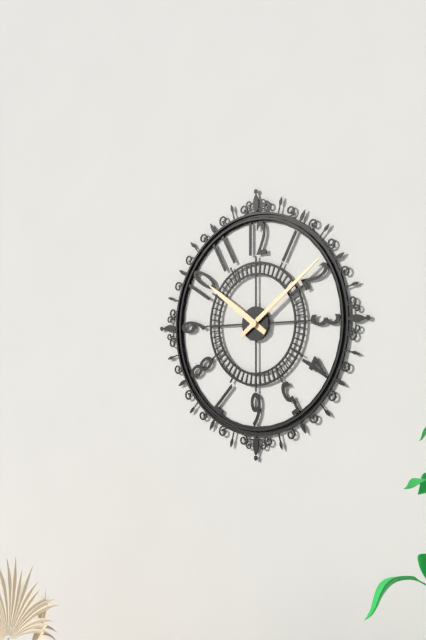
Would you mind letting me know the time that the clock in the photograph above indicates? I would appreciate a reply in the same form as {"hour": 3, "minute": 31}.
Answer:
{"hour": 10, "minute": 9}
